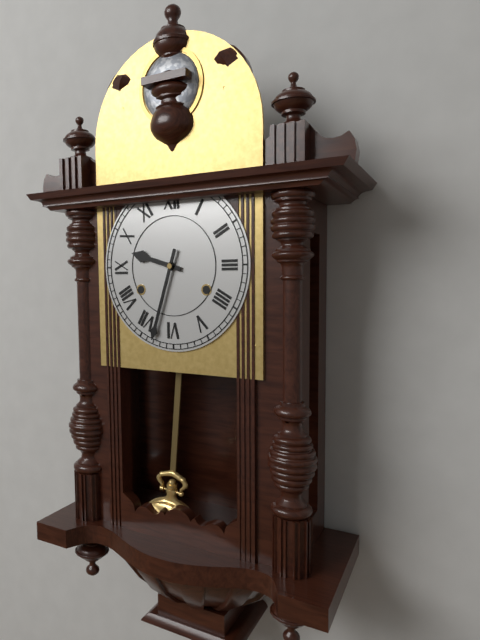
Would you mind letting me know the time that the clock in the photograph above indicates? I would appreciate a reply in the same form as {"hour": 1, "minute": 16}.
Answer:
{"hour": 9, "minute": 33}
